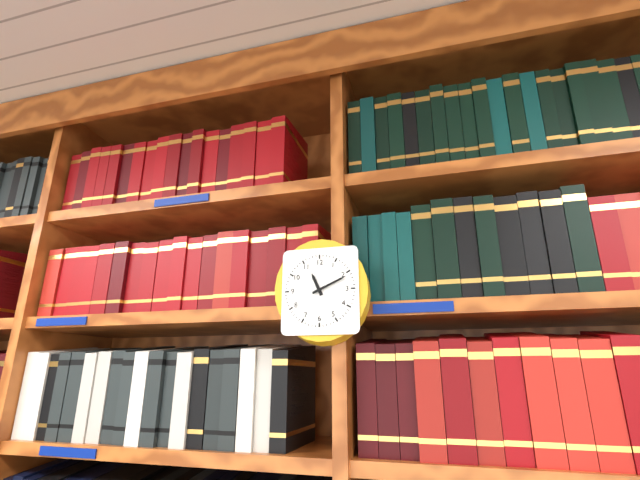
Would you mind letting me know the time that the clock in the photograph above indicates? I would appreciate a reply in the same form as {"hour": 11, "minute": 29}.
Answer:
{"hour": 11, "minute": 11}
